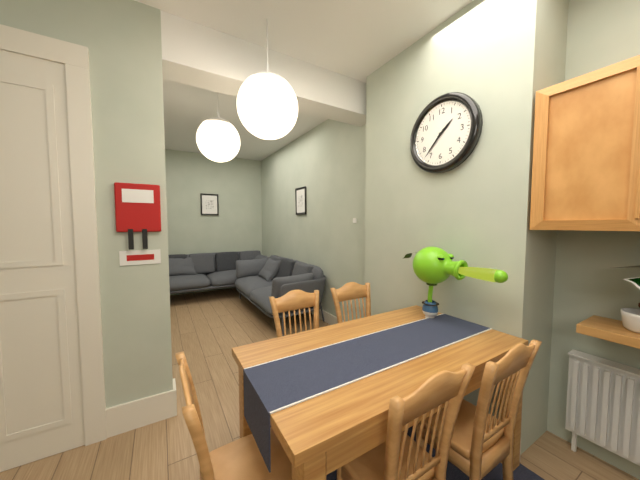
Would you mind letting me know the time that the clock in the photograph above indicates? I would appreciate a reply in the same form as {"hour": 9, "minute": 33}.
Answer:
{"hour": 1, "minute": 37}
